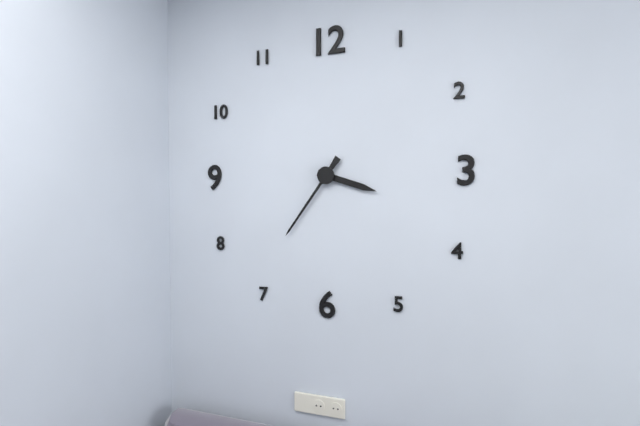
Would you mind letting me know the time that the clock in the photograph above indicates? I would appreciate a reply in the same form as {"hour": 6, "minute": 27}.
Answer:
{"hour": 3, "minute": 36}
